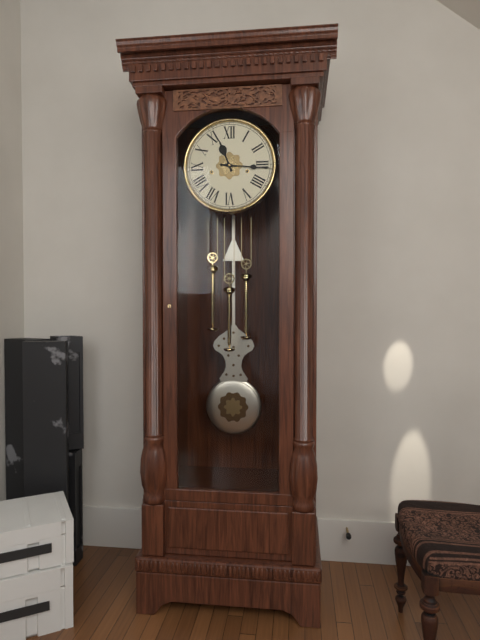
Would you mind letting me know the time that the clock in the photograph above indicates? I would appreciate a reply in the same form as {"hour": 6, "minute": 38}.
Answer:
{"hour": 11, "minute": 16}
